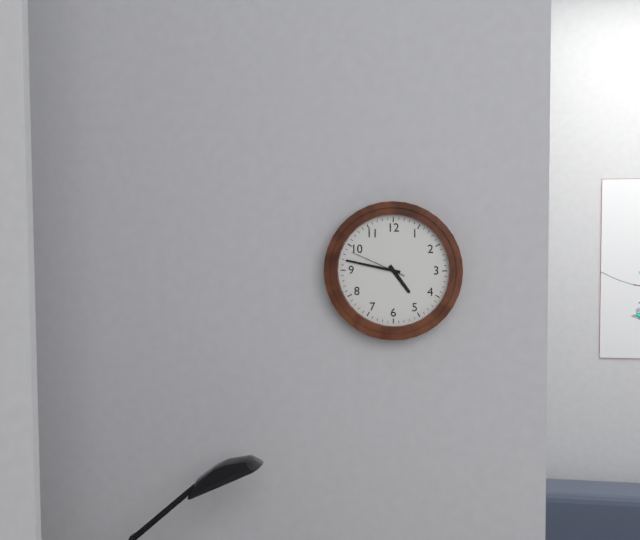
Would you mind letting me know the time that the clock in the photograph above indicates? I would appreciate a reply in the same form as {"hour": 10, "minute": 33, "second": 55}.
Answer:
{"hour": 4, "minute": 47, "second": 49}
